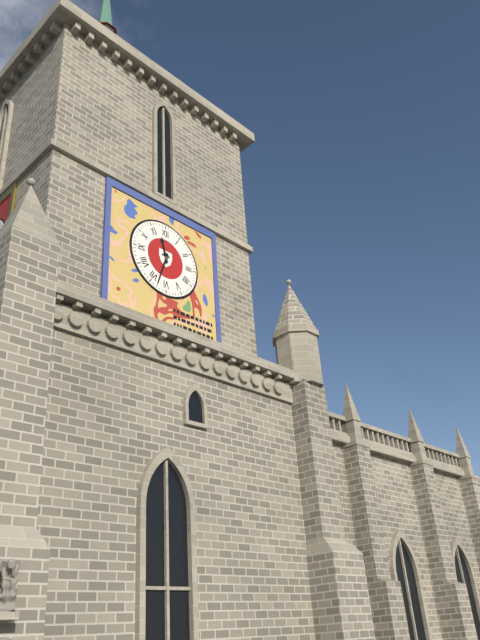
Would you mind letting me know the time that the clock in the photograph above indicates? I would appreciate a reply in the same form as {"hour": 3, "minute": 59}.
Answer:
{"hour": 11, "minute": 33}
